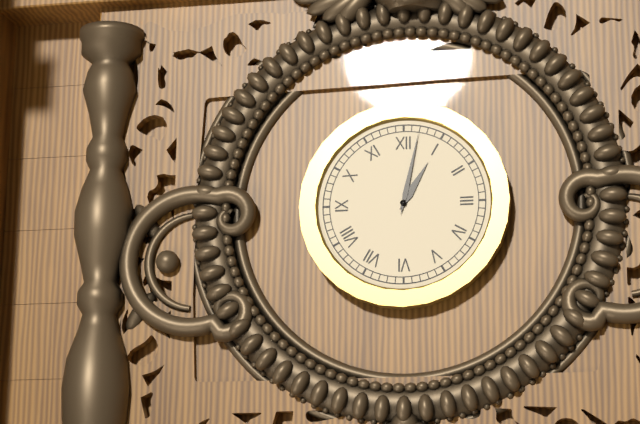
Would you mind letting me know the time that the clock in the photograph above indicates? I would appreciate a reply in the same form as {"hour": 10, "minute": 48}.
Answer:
{"hour": 1, "minute": 2}
